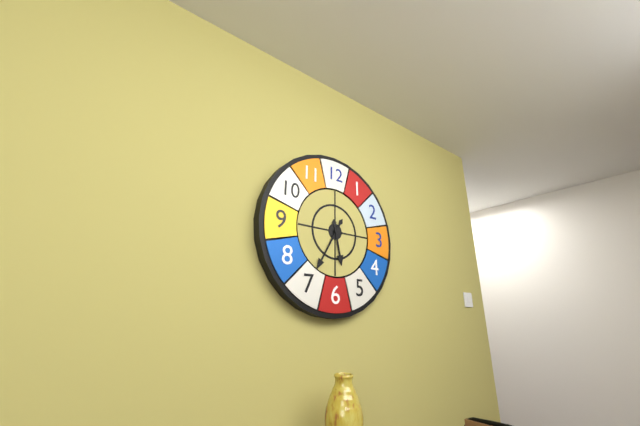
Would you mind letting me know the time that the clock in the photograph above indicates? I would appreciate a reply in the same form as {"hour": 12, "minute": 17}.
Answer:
{"hour": 5, "minute": 35}
